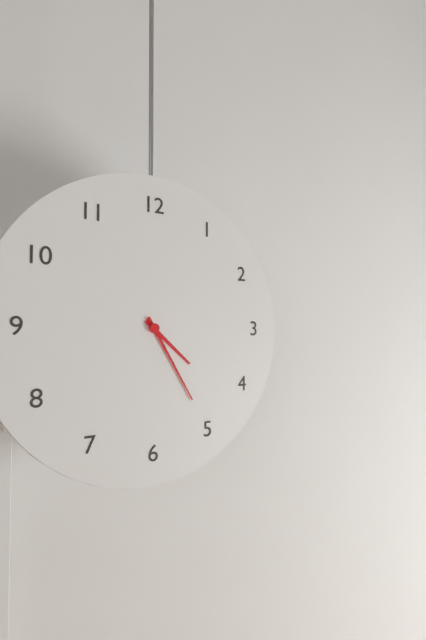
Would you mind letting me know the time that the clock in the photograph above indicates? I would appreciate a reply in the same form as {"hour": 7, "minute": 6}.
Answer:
{"hour": 4, "minute": 25}
